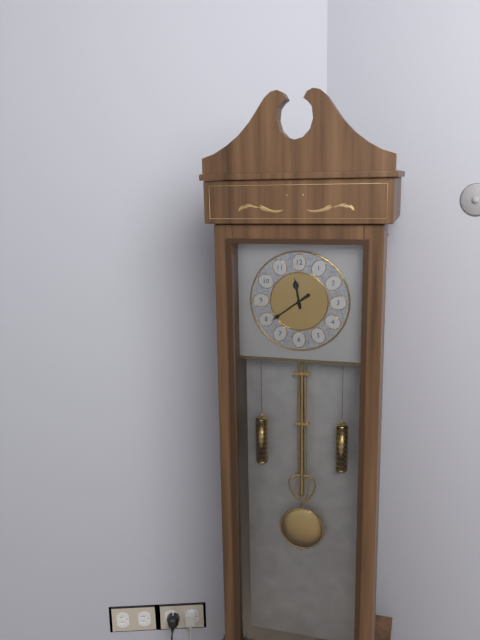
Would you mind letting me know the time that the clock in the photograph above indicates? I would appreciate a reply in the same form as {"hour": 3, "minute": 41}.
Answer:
{"hour": 11, "minute": 39}
